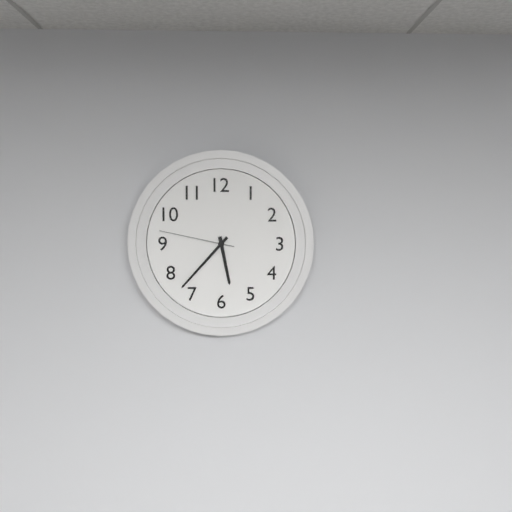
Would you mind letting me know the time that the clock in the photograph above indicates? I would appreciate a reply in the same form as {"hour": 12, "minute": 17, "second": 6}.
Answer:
{"hour": 5, "minute": 37, "second": 47}
